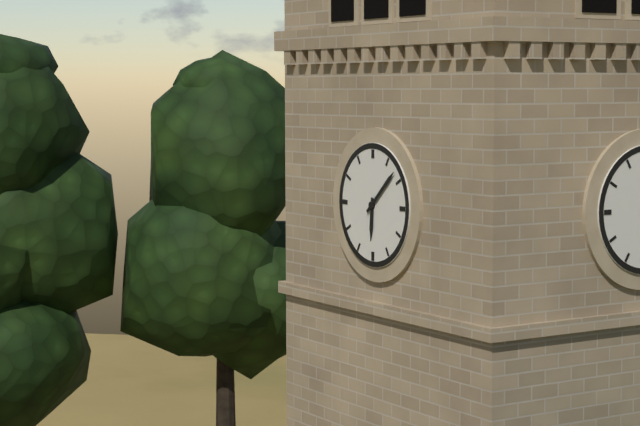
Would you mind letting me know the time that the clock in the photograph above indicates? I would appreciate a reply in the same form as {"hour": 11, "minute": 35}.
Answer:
{"hour": 6, "minute": 8}
